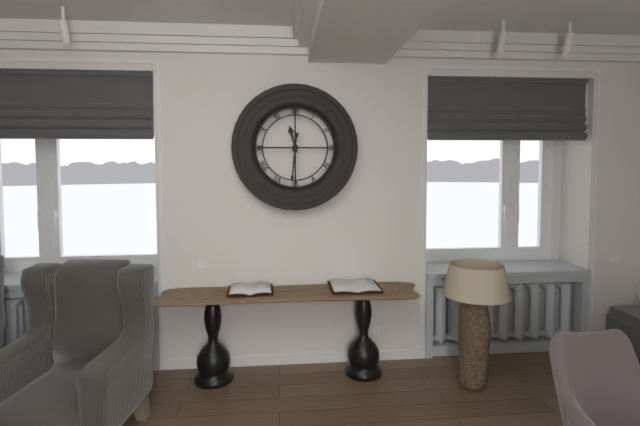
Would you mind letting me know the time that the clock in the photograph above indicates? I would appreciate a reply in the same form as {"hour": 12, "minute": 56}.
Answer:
{"hour": 11, "minute": 31}
